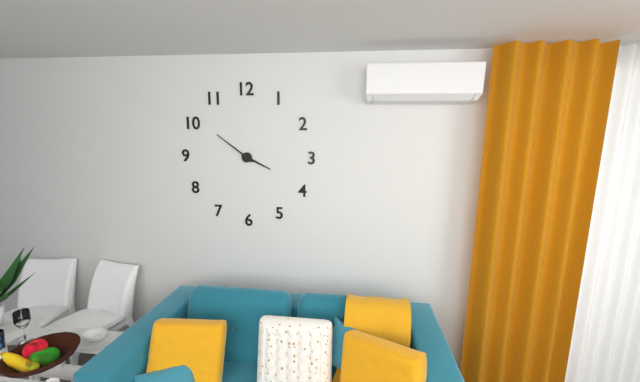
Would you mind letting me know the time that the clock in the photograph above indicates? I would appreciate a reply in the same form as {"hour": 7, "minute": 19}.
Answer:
{"hour": 3, "minute": 51}
